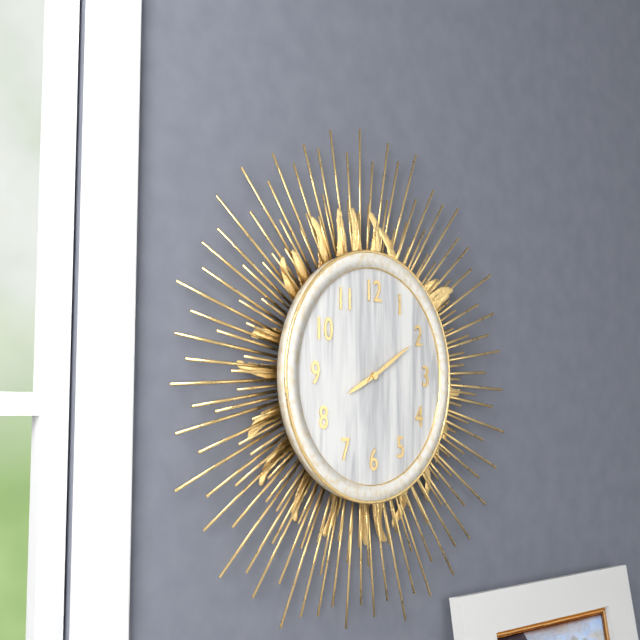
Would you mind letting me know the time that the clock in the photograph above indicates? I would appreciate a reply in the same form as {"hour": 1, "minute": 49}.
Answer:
{"hour": 8, "minute": 10}
